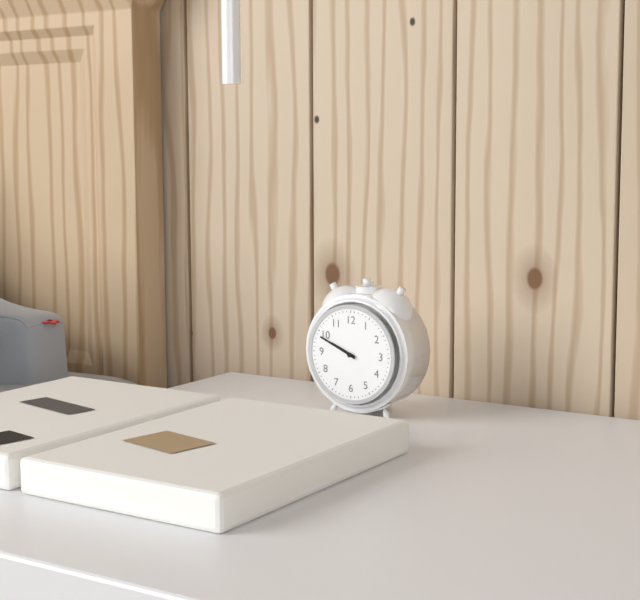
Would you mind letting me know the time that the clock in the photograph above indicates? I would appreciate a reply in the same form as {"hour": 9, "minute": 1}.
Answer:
{"hour": 9, "minute": 49}
